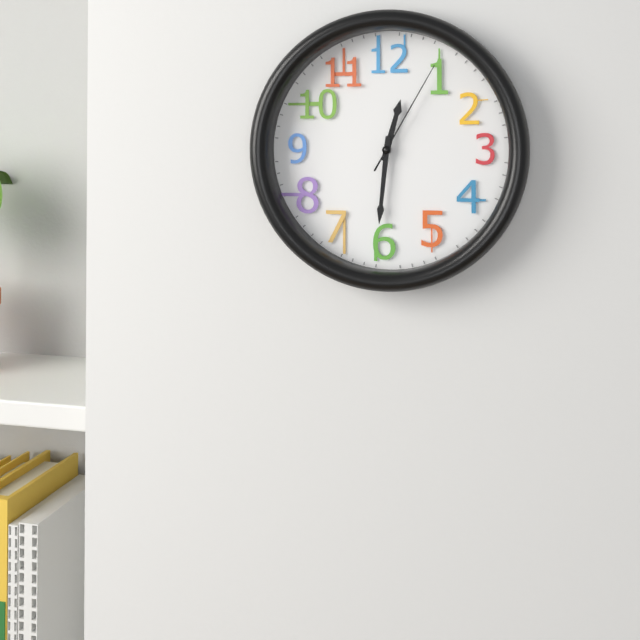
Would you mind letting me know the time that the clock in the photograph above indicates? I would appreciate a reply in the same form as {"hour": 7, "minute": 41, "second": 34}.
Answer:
{"hour": 12, "minute": 31, "second": 5}
